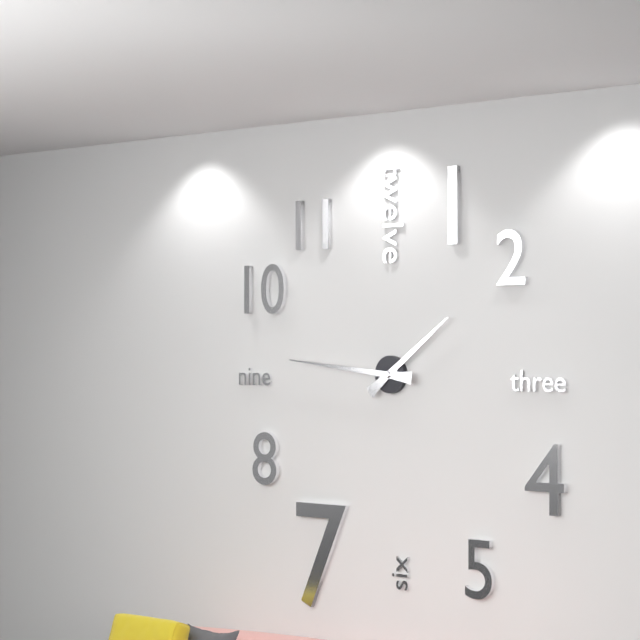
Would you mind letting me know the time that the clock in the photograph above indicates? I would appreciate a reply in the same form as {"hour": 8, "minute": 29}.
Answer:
{"hour": 1, "minute": 46}
